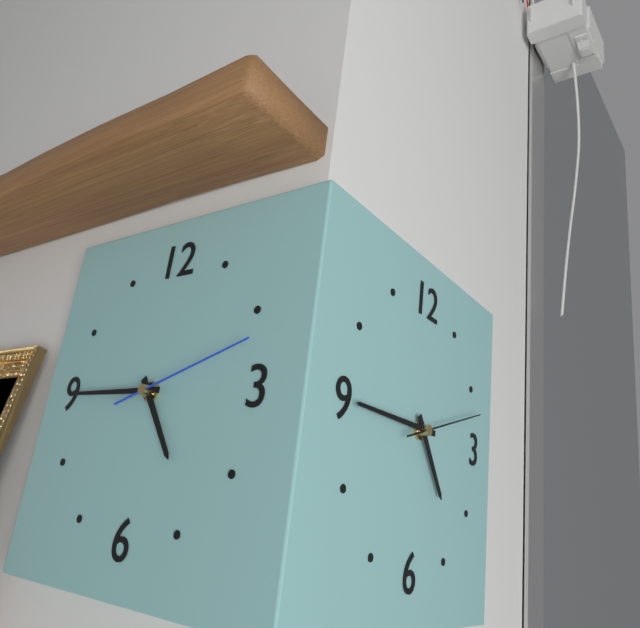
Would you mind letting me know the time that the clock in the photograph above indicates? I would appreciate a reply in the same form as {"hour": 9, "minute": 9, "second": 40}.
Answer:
{"hour": 4, "minute": 45, "second": 12}
